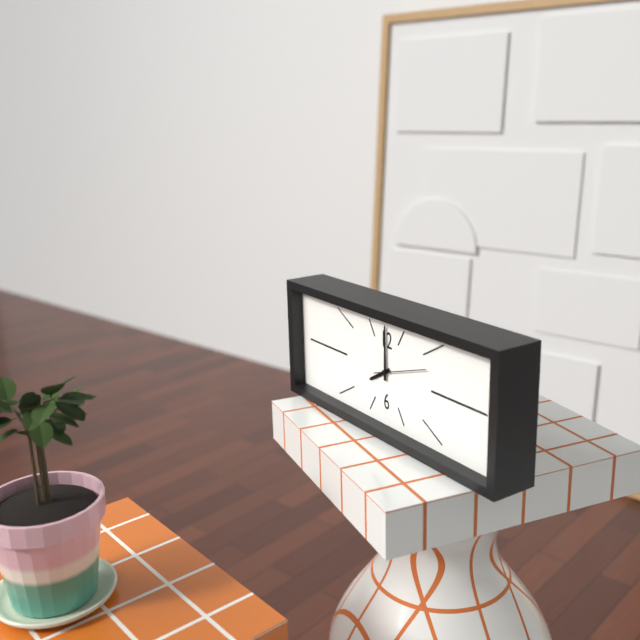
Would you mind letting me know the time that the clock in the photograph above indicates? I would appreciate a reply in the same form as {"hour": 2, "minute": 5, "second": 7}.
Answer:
{"hour": 8, "minute": 0, "second": 12}
